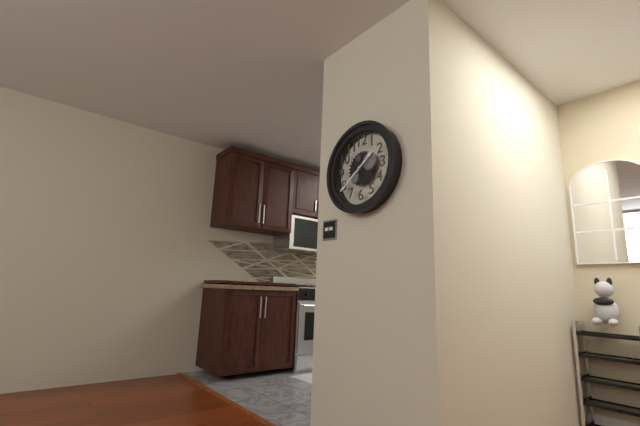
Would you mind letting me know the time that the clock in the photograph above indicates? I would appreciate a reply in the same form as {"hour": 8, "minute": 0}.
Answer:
{"hour": 1, "minute": 39}
